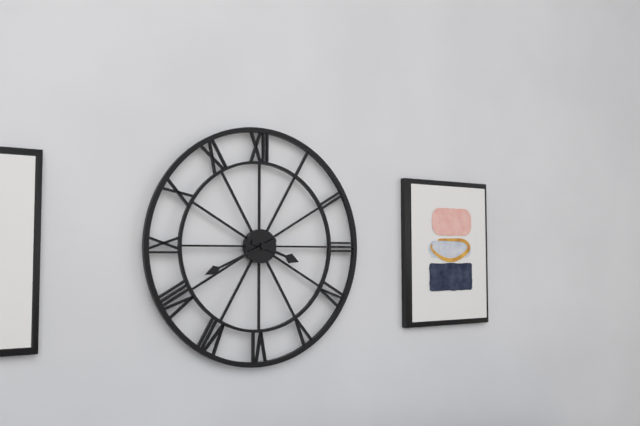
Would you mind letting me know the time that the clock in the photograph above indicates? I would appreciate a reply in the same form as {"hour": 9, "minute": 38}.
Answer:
{"hour": 3, "minute": 41}
